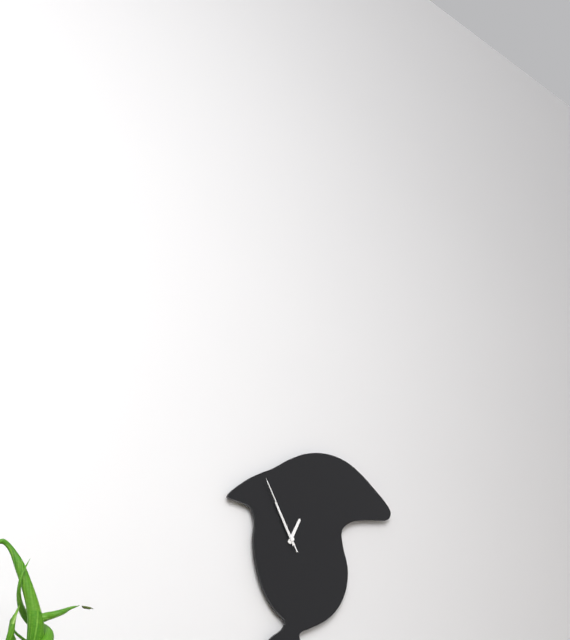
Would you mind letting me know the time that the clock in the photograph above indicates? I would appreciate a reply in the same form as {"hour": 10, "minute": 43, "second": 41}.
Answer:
{"hour": 12, "minute": 55, "second": 55}
